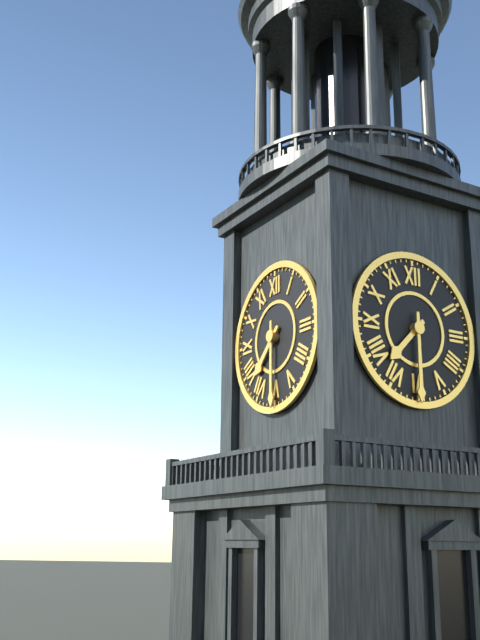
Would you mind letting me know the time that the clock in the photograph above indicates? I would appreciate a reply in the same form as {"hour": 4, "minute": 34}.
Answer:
{"hour": 7, "minute": 30}
